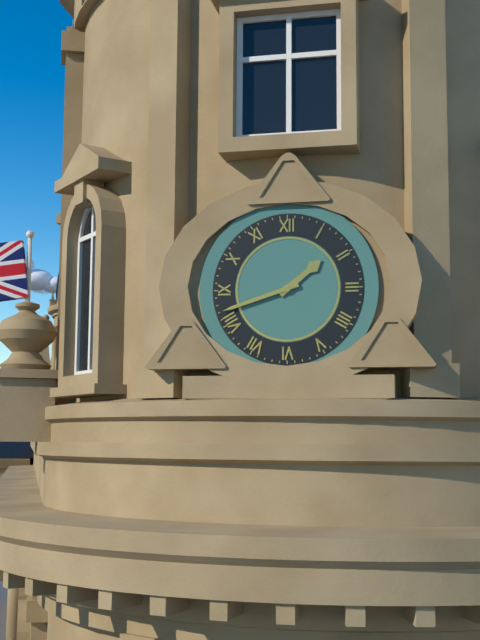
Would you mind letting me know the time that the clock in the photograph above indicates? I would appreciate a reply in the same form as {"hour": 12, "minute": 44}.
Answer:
{"hour": 1, "minute": 42}
